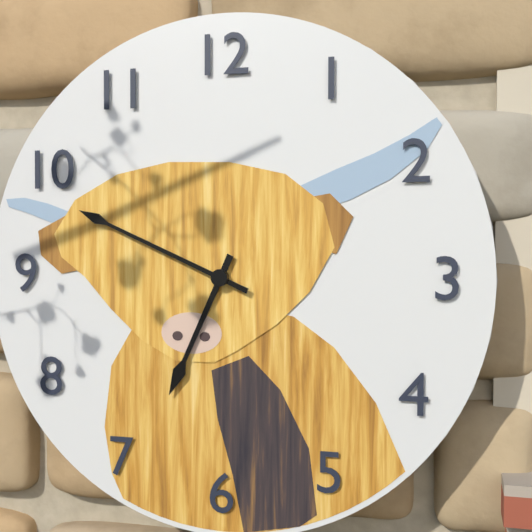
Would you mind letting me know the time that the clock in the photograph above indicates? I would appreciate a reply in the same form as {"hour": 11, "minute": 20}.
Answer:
{"hour": 6, "minute": 49}
